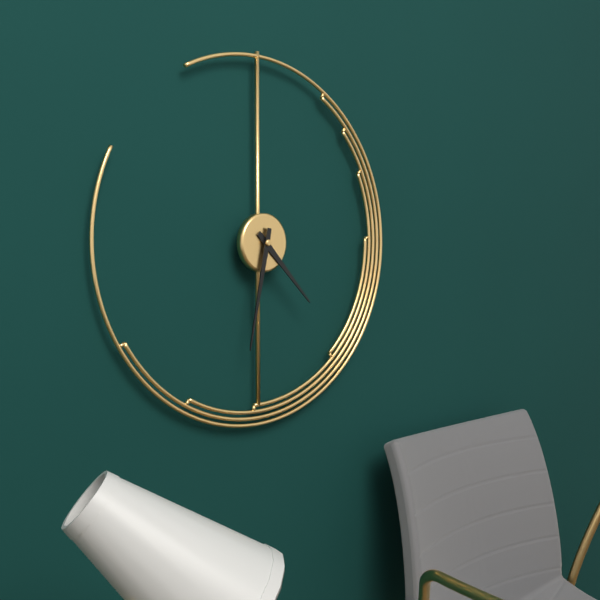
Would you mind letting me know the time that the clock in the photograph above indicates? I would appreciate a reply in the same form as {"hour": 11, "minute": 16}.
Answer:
{"hour": 4, "minute": 32}
